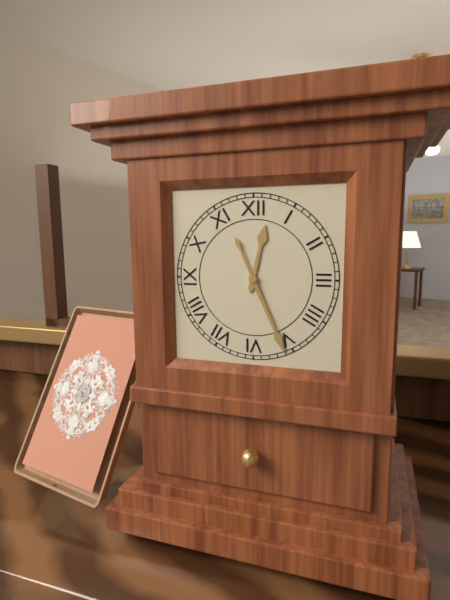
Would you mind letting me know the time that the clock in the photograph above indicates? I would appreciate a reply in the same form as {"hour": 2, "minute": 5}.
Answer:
{"hour": 12, "minute": 26}
